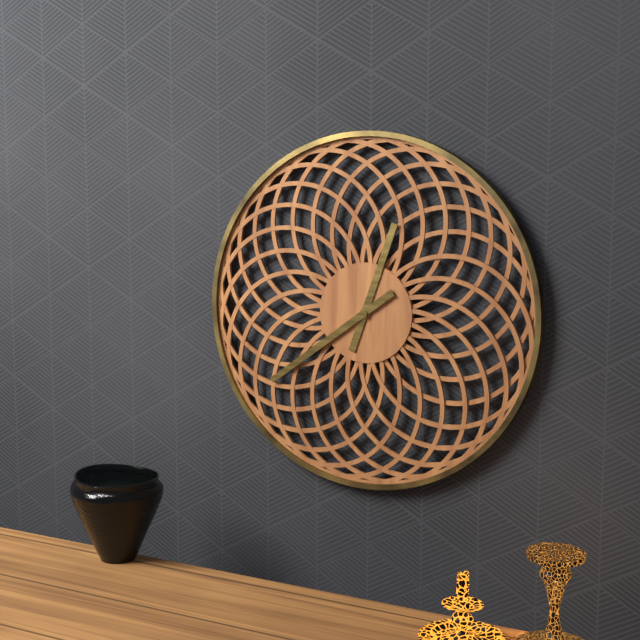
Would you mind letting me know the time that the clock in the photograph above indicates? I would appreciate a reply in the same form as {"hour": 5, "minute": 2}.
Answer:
{"hour": 12, "minute": 39}
